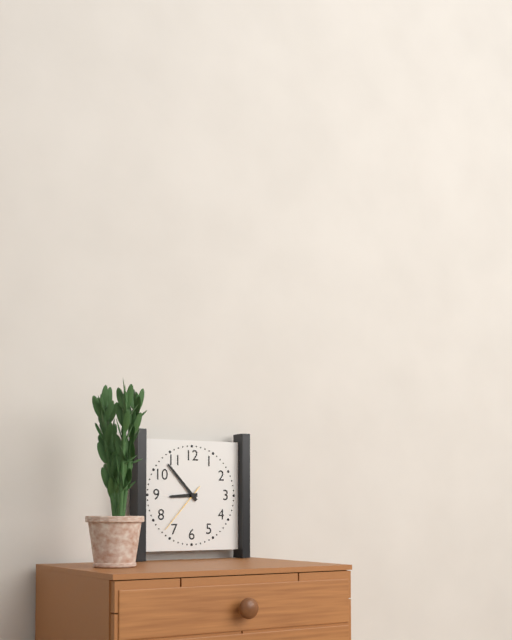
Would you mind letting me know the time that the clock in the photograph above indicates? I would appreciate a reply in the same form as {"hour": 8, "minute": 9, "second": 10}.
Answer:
{"hour": 8, "minute": 53, "second": 37}
